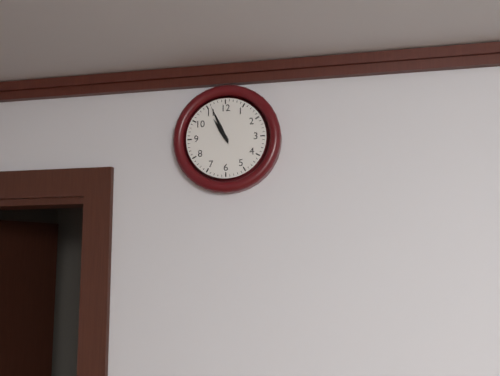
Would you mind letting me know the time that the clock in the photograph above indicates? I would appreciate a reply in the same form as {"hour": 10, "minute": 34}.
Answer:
{"hour": 10, "minute": 56}
